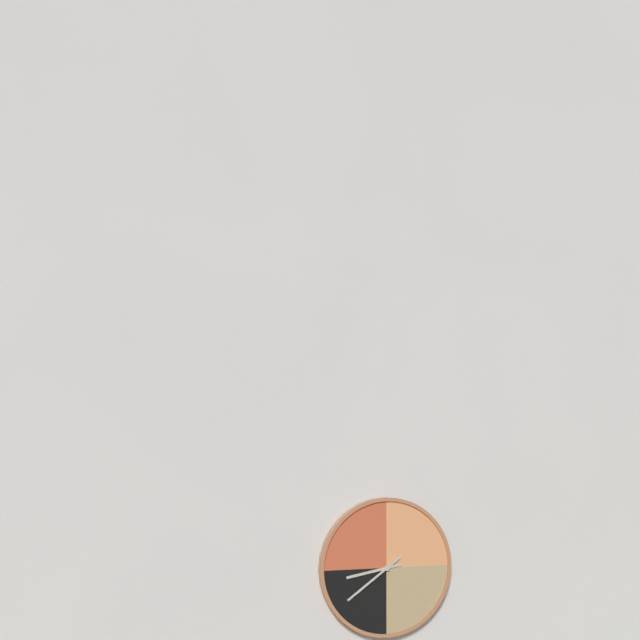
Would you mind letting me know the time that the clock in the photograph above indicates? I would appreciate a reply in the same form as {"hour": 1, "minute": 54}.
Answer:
{"hour": 8, "minute": 39}
